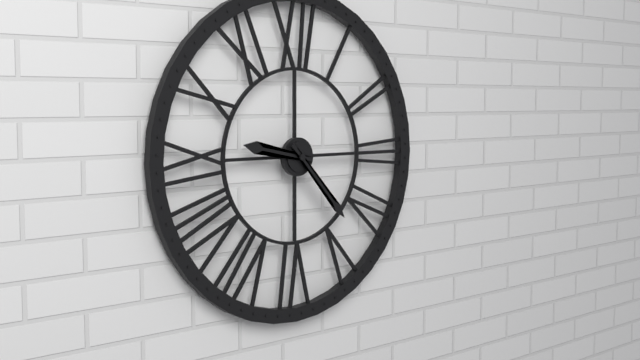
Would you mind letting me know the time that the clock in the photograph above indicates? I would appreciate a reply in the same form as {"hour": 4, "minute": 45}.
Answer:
{"hour": 9, "minute": 23}
